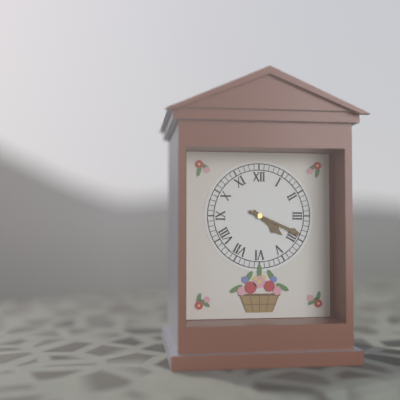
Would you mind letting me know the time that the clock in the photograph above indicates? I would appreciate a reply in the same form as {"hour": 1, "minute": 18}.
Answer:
{"hour": 4, "minute": 19}
